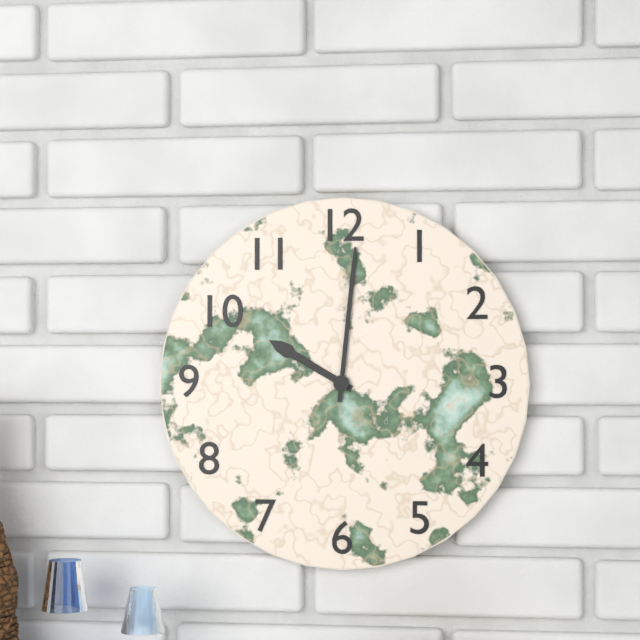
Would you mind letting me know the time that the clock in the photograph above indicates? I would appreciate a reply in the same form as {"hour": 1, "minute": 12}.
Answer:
{"hour": 10, "minute": 1}
